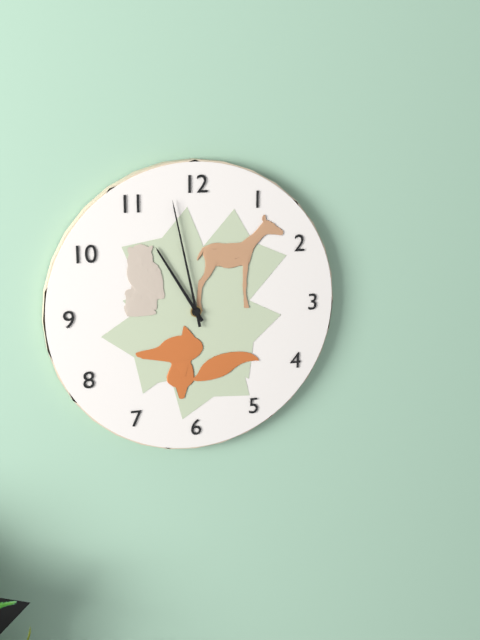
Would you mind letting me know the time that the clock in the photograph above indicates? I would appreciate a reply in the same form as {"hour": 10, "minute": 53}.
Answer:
{"hour": 10, "minute": 58}
